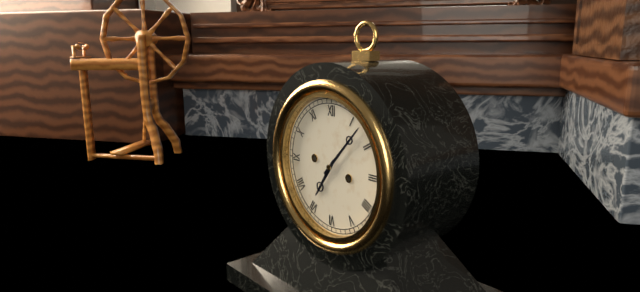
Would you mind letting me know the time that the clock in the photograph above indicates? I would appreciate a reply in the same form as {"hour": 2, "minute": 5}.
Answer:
{"hour": 7, "minute": 7}
